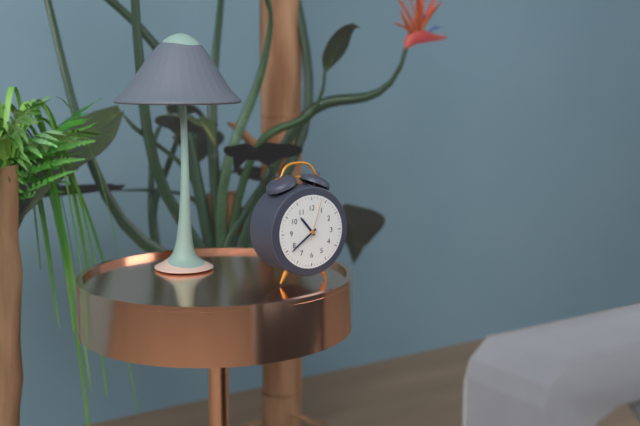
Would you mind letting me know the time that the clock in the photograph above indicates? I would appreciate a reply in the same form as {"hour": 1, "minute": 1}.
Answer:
{"hour": 10, "minute": 39}
